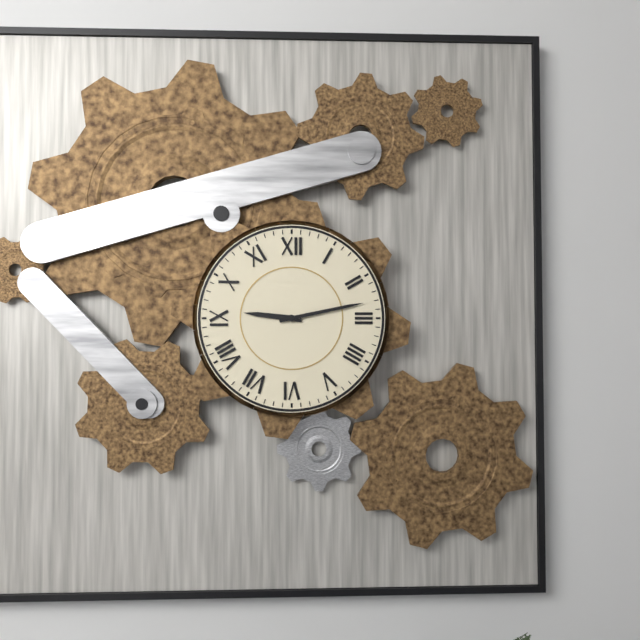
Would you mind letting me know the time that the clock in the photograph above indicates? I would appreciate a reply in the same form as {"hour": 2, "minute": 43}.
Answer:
{"hour": 9, "minute": 13}
